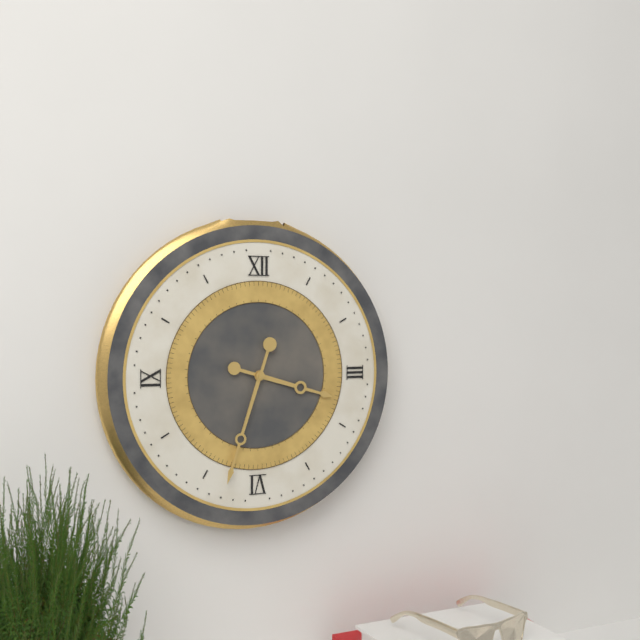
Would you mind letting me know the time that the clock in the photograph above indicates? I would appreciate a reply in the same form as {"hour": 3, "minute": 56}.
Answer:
{"hour": 3, "minute": 33}
